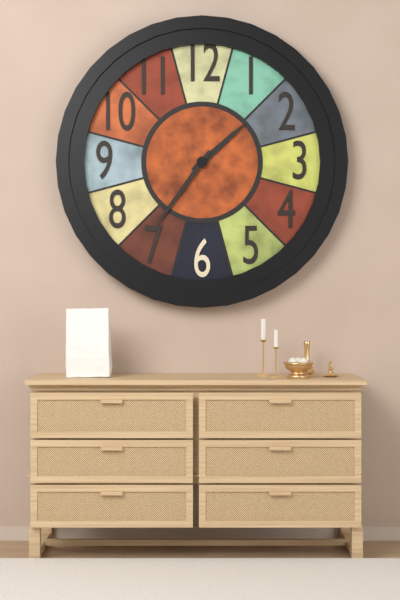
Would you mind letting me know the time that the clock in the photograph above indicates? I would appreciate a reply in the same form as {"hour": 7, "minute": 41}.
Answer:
{"hour": 1, "minute": 36}
